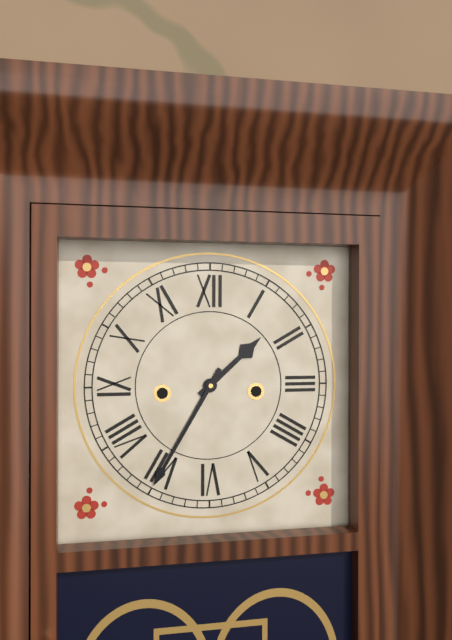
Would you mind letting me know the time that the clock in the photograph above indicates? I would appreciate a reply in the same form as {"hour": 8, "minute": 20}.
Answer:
{"hour": 1, "minute": 35}
